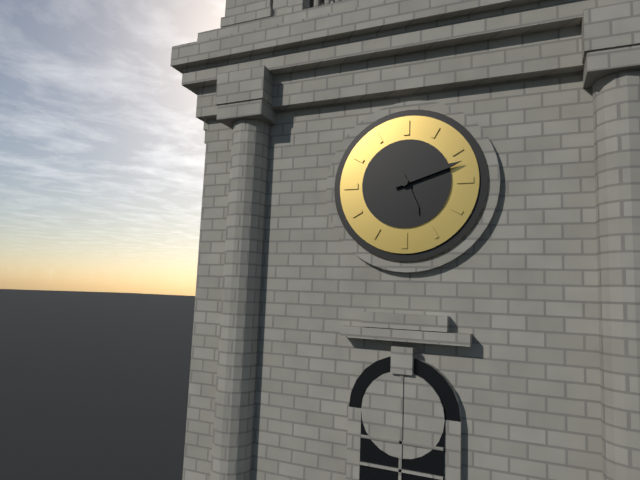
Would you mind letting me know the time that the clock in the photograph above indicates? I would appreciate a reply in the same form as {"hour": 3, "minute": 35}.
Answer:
{"hour": 5, "minute": 12}
